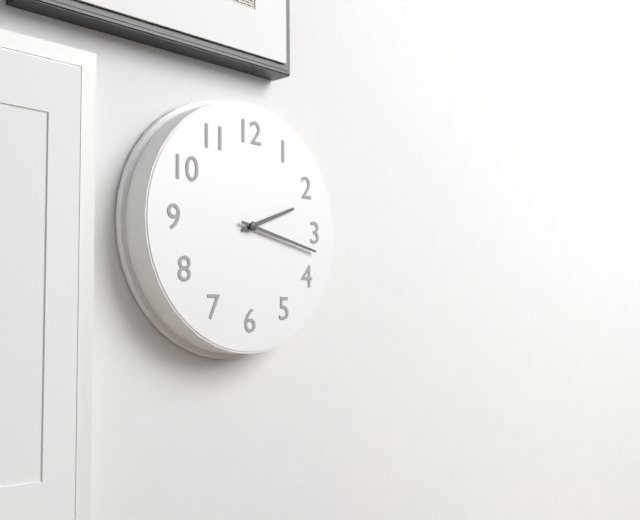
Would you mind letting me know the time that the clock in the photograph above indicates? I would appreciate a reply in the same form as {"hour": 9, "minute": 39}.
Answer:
{"hour": 2, "minute": 17}
